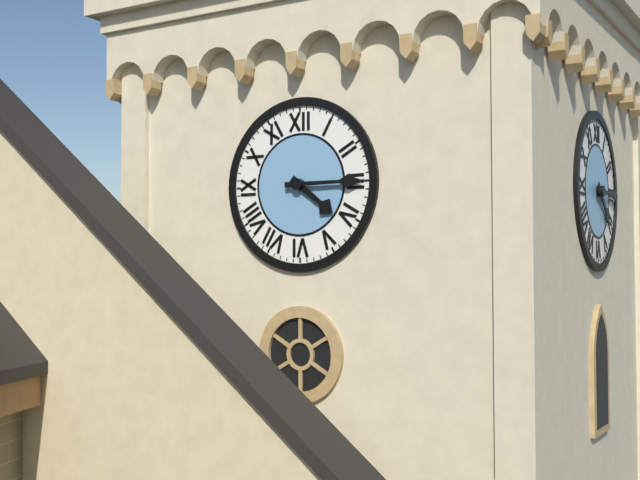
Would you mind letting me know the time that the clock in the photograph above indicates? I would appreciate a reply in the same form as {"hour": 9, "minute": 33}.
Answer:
{"hour": 4, "minute": 15}
